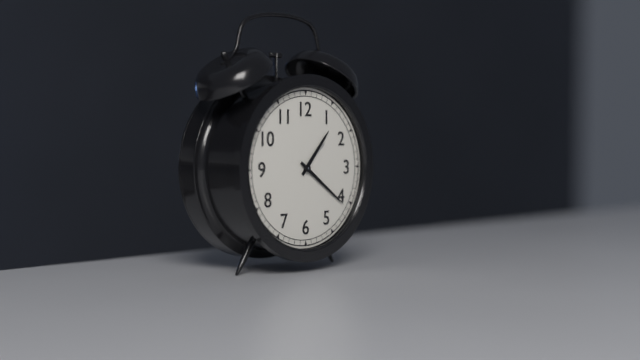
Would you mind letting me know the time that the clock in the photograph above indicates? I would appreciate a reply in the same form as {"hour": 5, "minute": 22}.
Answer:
{"hour": 1, "minute": 21}
